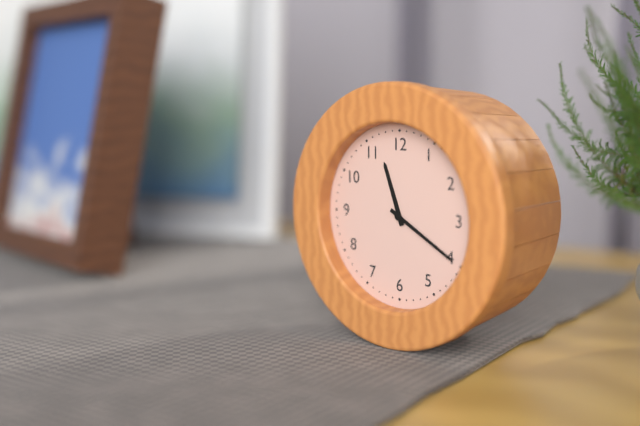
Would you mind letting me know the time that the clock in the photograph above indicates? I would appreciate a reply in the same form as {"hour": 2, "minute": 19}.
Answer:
{"hour": 11, "minute": 20}
